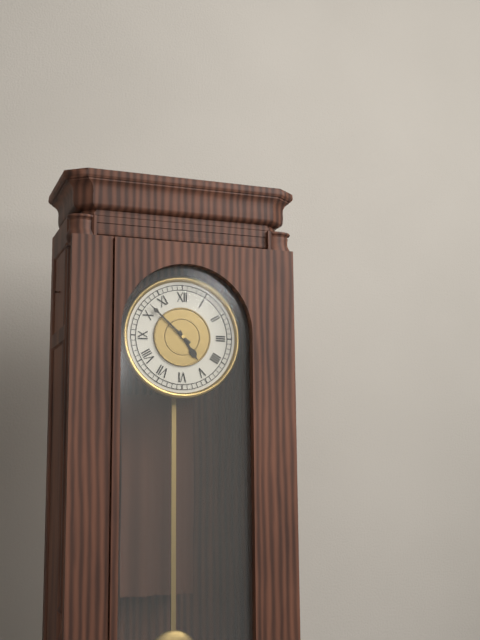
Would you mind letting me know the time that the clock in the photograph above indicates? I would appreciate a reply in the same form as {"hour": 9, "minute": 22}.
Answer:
{"hour": 4, "minute": 52}
